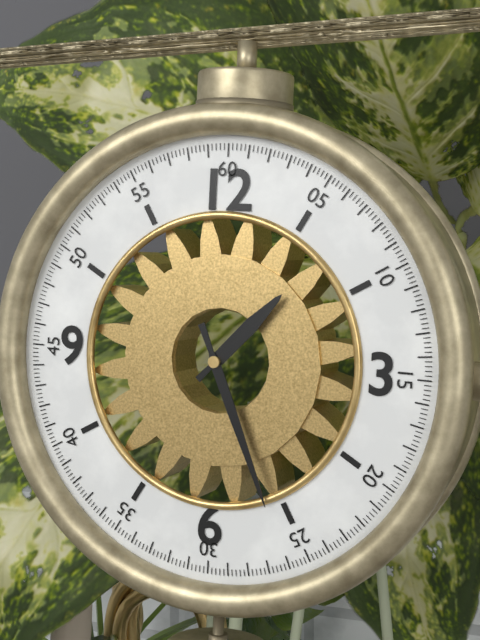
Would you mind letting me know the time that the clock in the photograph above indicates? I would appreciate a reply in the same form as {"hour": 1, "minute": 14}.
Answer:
{"hour": 1, "minute": 26}
